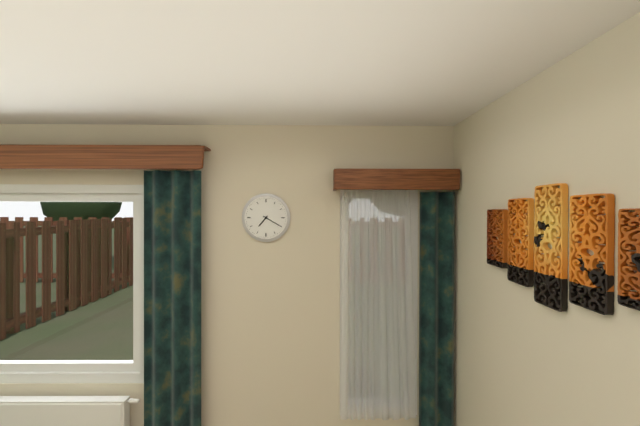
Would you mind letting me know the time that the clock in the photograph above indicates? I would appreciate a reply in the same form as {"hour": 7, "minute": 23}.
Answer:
{"hour": 7, "minute": 20}
